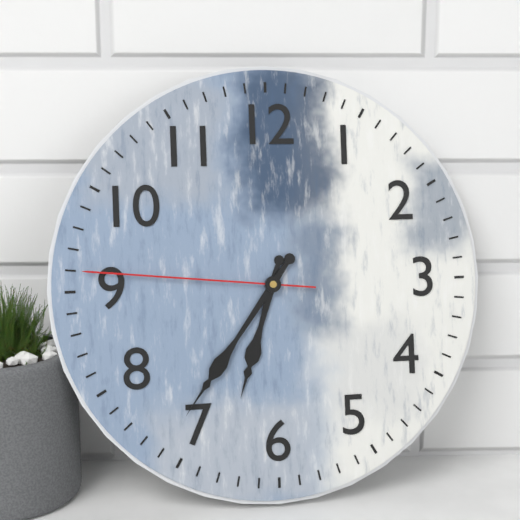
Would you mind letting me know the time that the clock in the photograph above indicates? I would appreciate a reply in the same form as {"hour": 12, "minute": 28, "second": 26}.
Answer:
{"hour": 6, "minute": 36, "second": 46}
